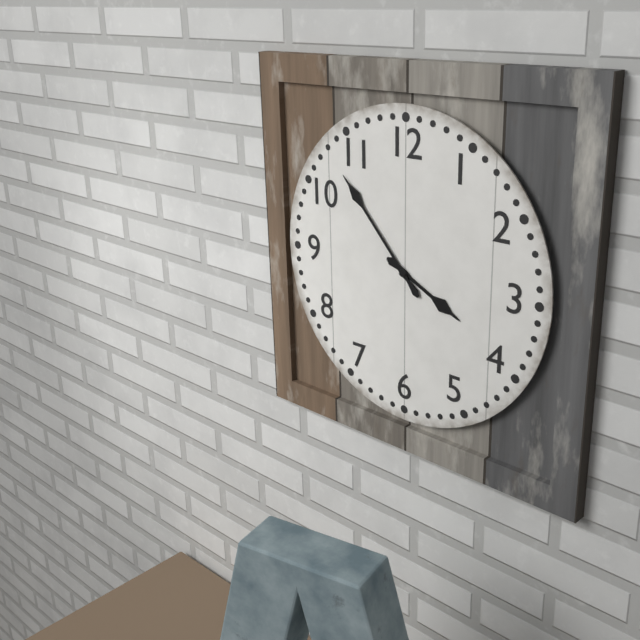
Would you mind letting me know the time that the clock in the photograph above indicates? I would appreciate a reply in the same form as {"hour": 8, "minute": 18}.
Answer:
{"hour": 3, "minute": 53}
